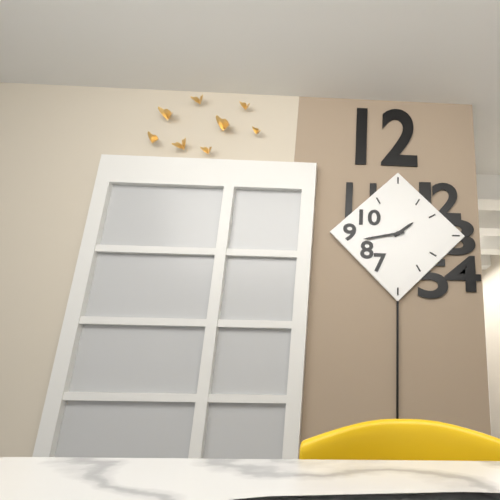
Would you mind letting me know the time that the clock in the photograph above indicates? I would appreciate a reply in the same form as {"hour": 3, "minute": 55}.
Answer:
{"hour": 1, "minute": 43}
